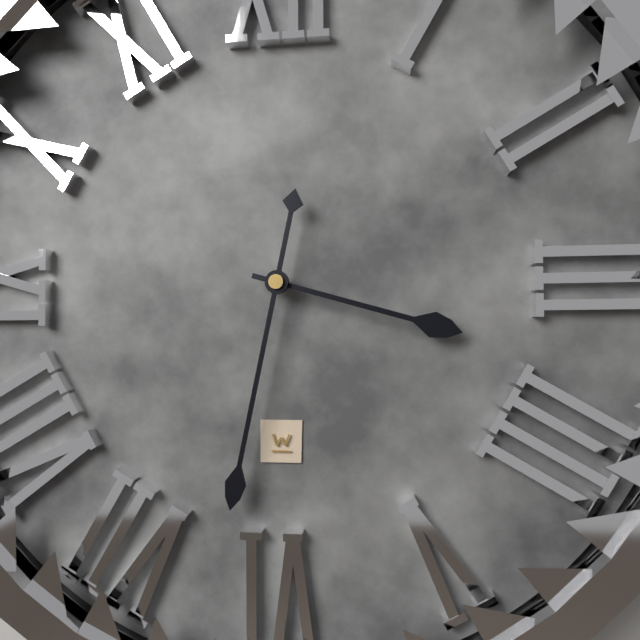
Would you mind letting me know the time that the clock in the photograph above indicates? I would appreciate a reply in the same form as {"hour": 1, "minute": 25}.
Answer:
{"hour": 3, "minute": 32}
